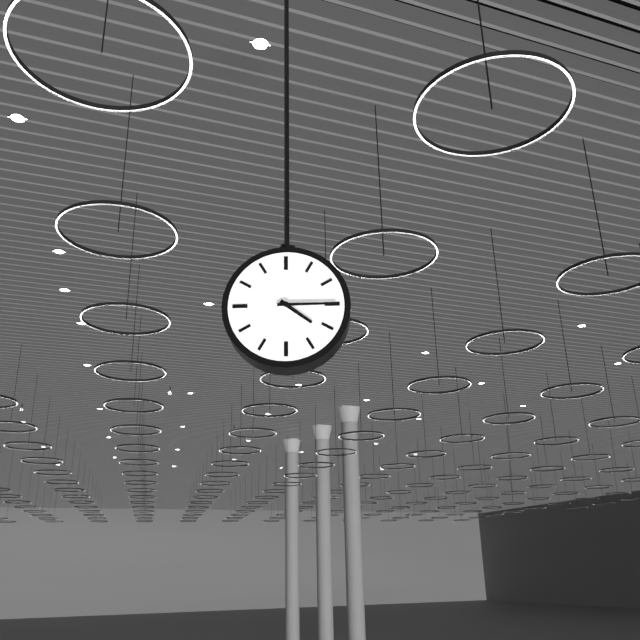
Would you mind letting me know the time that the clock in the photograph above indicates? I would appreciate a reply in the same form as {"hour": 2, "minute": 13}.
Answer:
{"hour": 4, "minute": 15}
